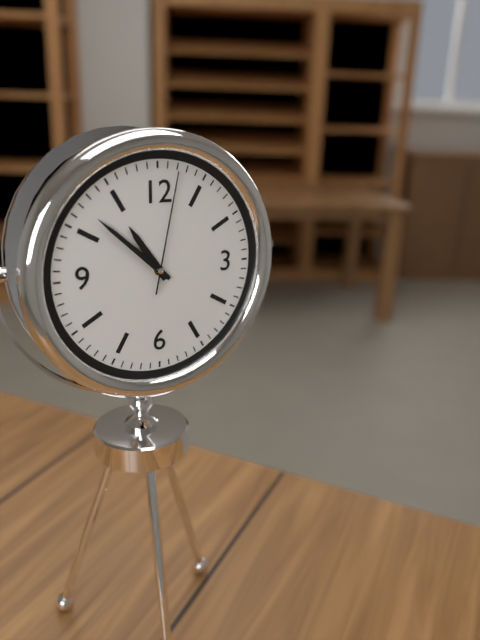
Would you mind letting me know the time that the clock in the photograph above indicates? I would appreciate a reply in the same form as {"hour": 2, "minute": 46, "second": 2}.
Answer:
{"hour": 10, "minute": 52, "second": 2}
